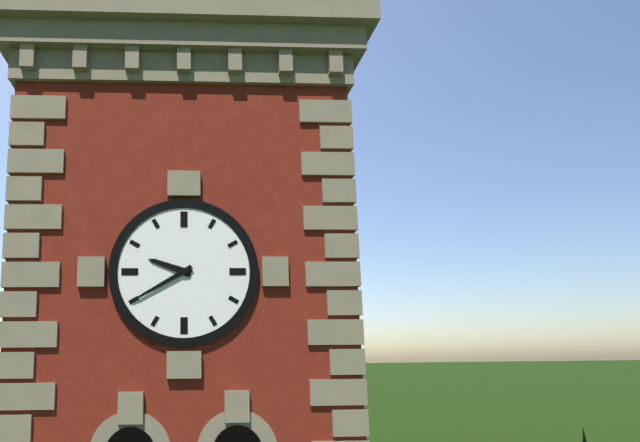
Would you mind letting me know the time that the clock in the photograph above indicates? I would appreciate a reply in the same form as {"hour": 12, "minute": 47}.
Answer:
{"hour": 9, "minute": 40}
